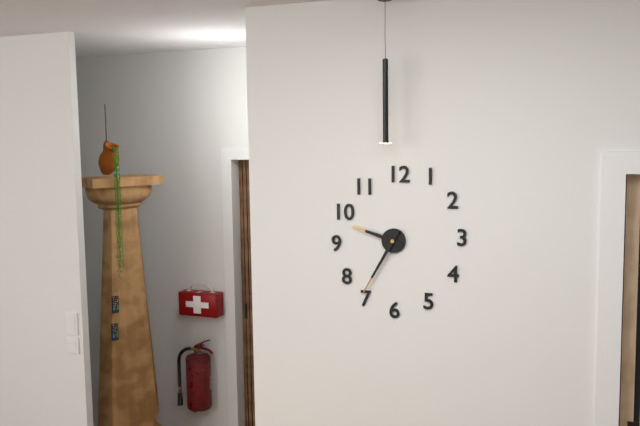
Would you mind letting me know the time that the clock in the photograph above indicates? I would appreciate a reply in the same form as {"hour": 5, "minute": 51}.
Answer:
{"hour": 9, "minute": 35}
